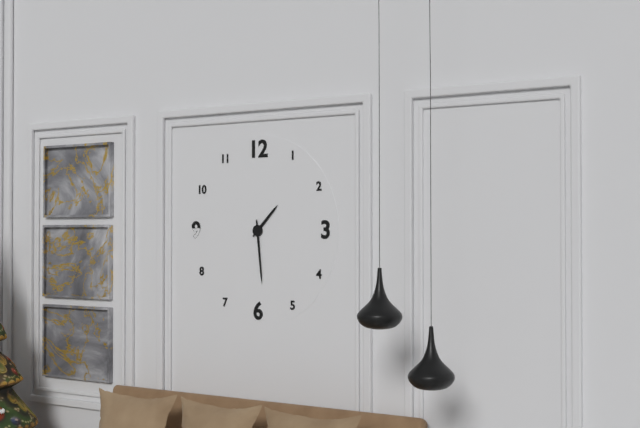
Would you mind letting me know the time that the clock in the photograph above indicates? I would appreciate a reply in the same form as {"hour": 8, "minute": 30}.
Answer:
{"hour": 1, "minute": 29}
